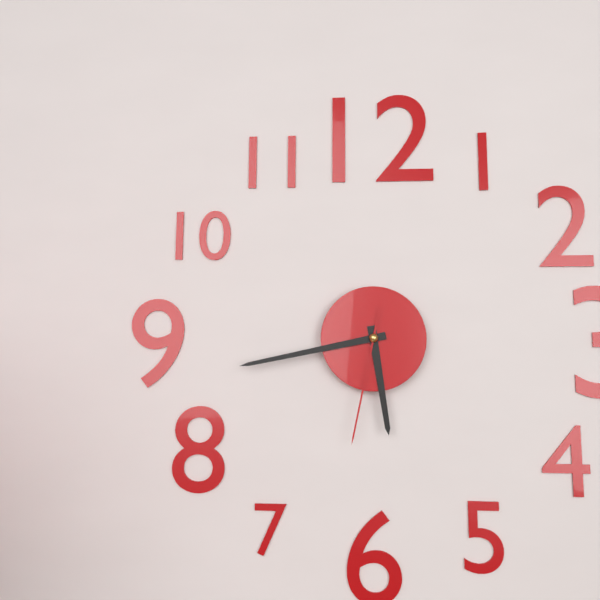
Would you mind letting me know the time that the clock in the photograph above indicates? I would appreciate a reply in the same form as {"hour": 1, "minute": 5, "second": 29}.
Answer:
{"hour": 5, "minute": 43, "second": 32}
